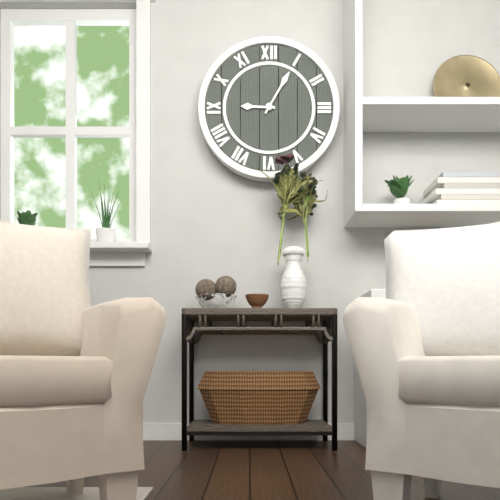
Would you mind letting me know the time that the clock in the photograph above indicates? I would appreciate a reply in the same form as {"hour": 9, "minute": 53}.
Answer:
{"hour": 9, "minute": 5}
